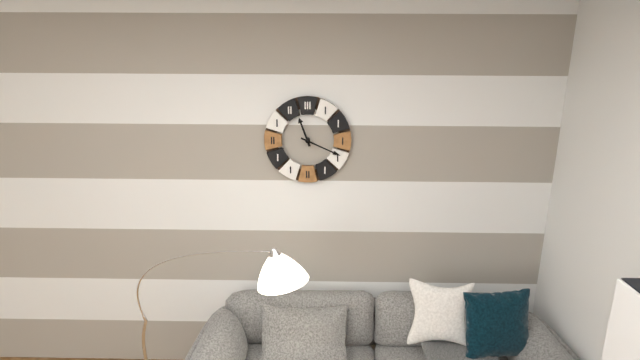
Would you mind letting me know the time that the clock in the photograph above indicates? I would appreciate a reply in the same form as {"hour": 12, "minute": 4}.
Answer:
{"hour": 11, "minute": 19}
